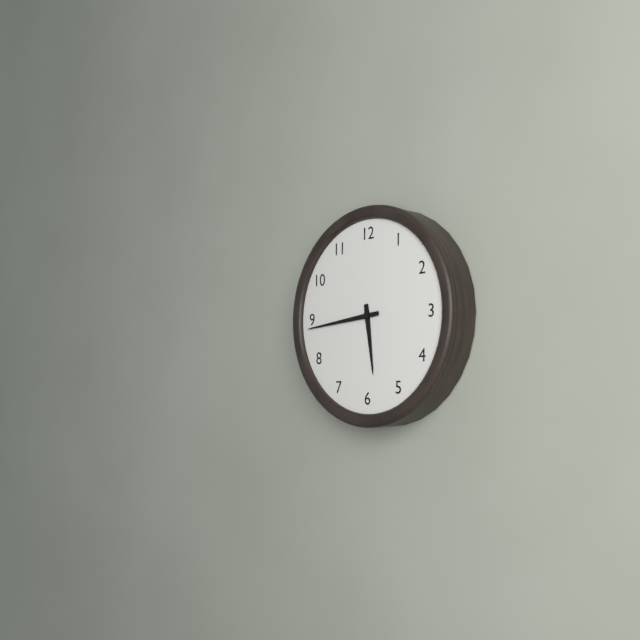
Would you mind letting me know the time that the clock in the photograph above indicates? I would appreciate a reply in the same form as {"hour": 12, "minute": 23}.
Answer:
{"hour": 5, "minute": 44}
